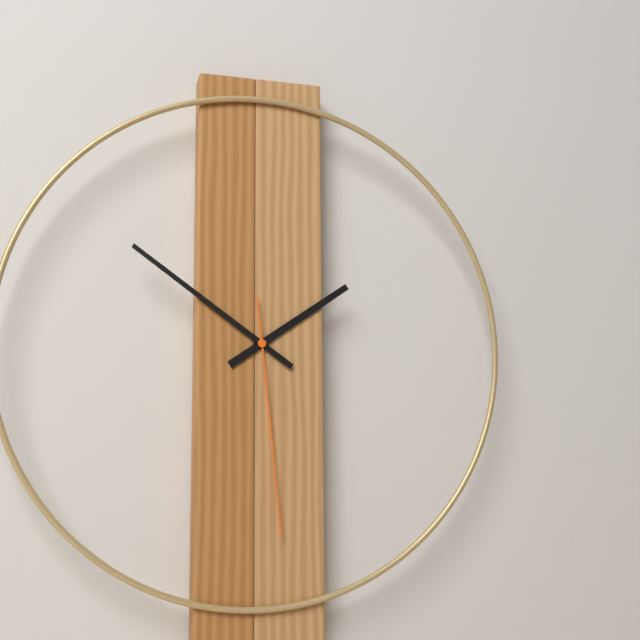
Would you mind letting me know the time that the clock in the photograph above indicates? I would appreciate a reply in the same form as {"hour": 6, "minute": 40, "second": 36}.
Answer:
{"hour": 1, "minute": 51, "second": 29}
